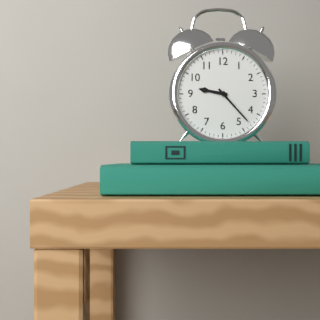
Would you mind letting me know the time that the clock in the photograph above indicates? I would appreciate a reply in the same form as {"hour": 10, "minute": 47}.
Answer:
{"hour": 9, "minute": 23}
